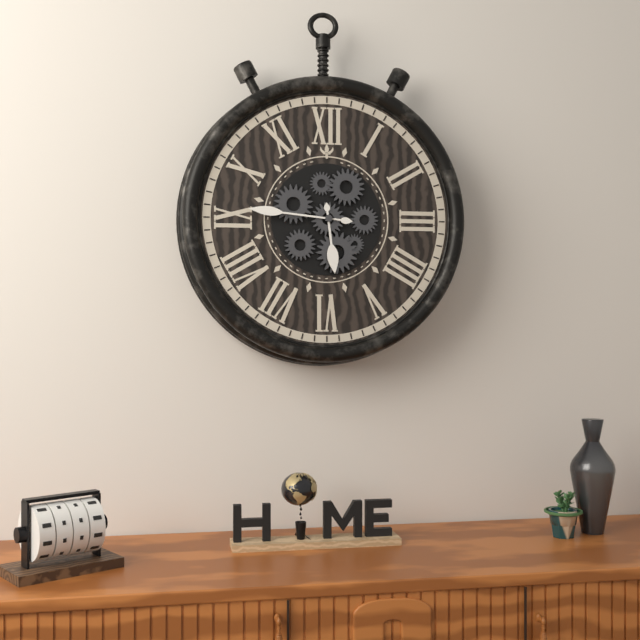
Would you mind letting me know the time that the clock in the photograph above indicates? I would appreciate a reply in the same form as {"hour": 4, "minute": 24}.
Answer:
{"hour": 5, "minute": 46}
